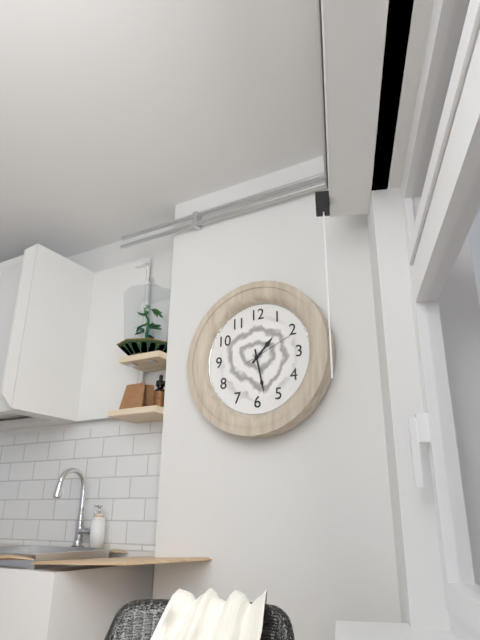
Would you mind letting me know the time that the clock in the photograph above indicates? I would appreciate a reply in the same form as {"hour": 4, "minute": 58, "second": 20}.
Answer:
{"hour": 1, "minute": 28, "second": 11}
